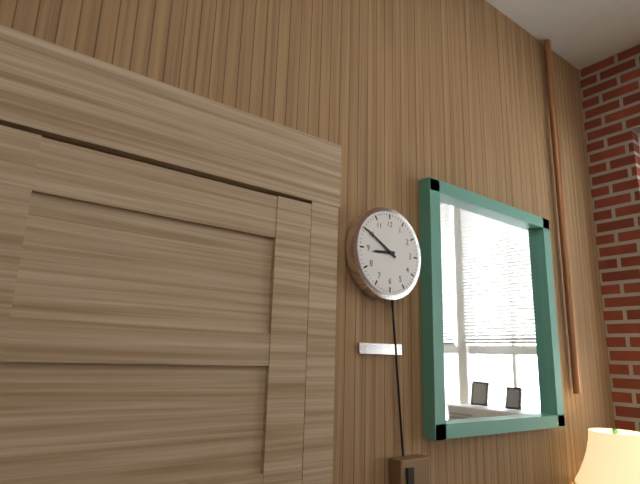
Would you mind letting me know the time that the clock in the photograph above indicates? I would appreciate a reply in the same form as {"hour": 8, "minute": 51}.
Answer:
{"hour": 8, "minute": 50}
